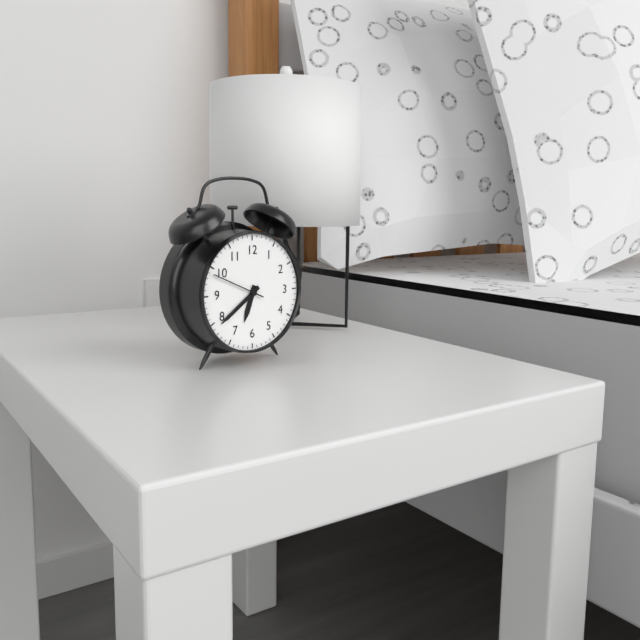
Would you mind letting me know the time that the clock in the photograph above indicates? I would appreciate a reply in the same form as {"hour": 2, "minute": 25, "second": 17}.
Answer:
{"hour": 6, "minute": 39, "second": 49}
